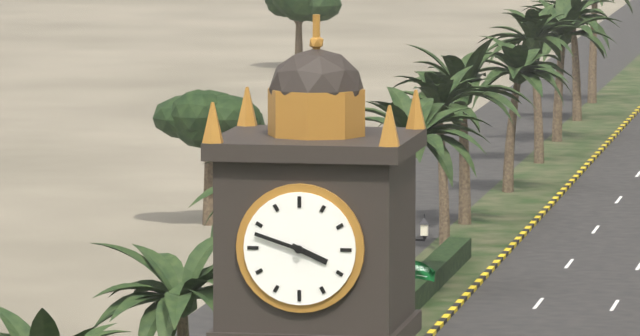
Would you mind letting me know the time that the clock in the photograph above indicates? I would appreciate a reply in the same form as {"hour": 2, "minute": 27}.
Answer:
{"hour": 3, "minute": 48}
